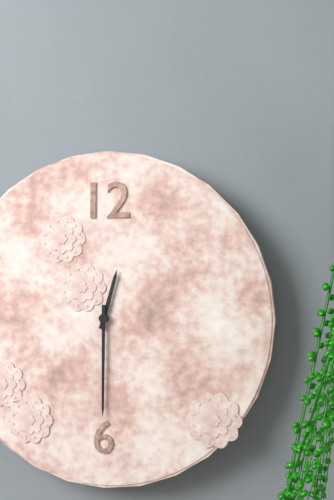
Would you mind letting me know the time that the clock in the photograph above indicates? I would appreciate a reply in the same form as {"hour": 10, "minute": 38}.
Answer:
{"hour": 12, "minute": 30}
